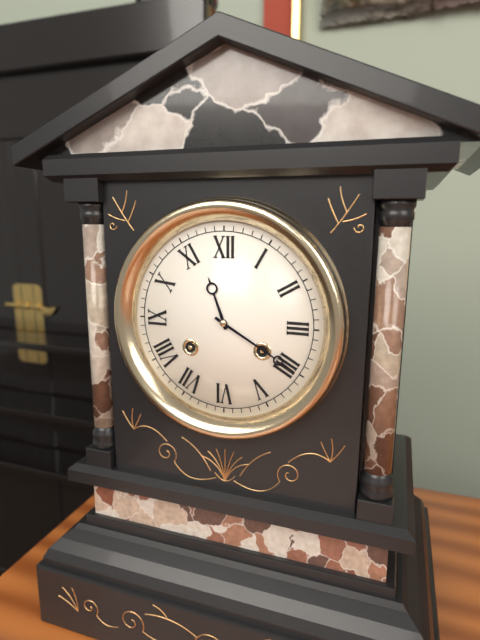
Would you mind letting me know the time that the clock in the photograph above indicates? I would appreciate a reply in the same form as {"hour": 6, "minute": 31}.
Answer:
{"hour": 11, "minute": 20}
